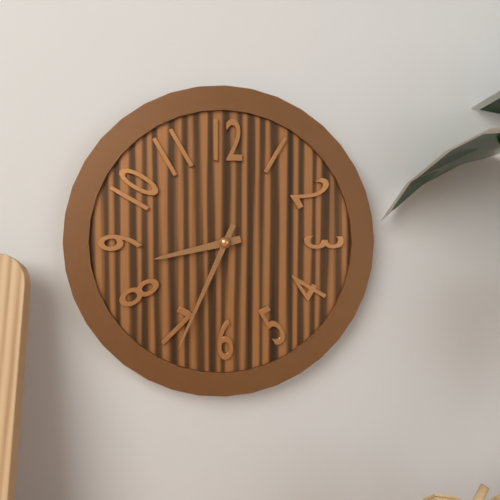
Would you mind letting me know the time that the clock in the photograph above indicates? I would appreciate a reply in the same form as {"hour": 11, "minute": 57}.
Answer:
{"hour": 8, "minute": 34}
